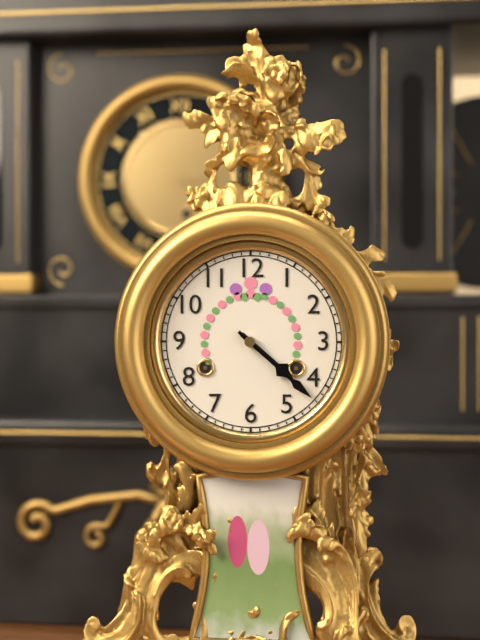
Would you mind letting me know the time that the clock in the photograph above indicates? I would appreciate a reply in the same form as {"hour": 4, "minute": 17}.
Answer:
{"hour": 4, "minute": 22}
